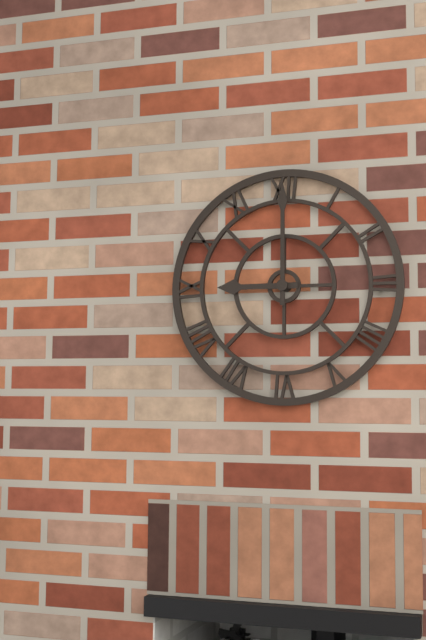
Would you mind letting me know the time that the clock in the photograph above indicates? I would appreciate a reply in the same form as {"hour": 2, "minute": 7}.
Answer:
{"hour": 9, "minute": 0}
